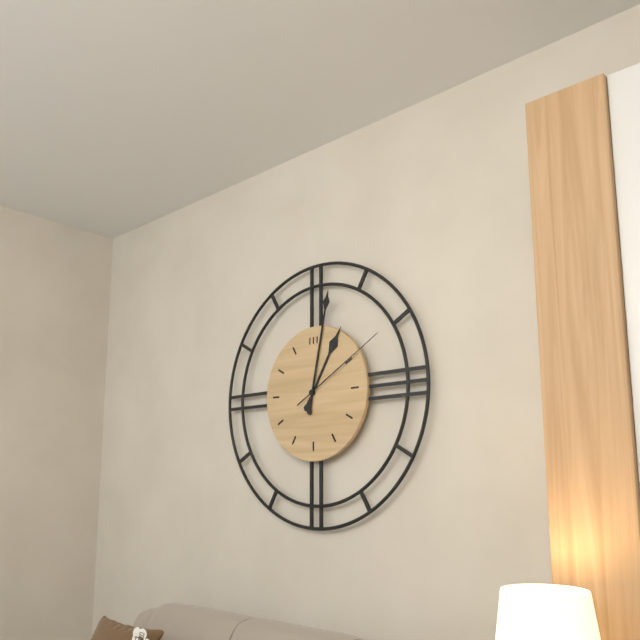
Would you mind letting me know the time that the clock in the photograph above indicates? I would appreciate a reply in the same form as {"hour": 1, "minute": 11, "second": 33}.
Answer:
{"hour": 1, "minute": 2, "second": 10}
